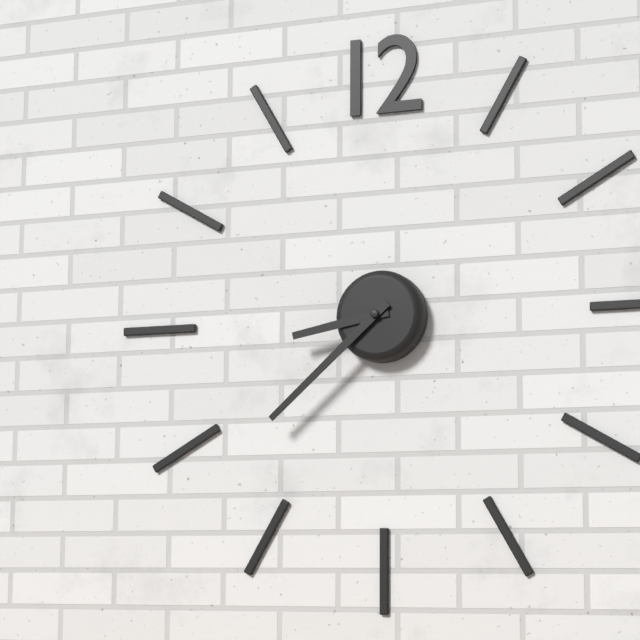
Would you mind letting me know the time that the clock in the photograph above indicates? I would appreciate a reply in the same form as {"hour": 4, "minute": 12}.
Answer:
{"hour": 8, "minute": 38}
